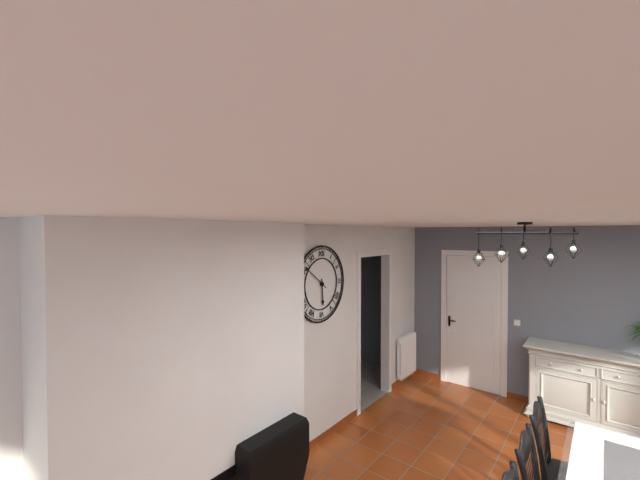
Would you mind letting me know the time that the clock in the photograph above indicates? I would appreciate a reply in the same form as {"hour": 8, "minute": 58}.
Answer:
{"hour": 5, "minute": 51}
